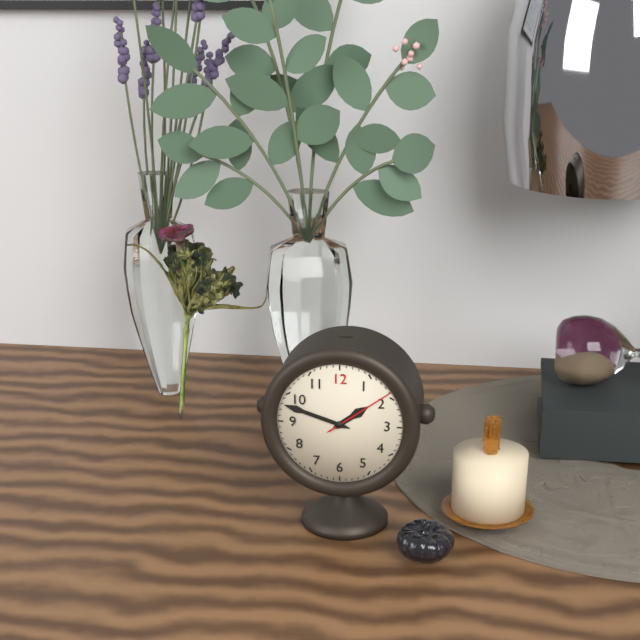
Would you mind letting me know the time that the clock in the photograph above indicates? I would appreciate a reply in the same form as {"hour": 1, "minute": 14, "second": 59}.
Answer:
{"hour": 1, "minute": 48, "second": 9}
